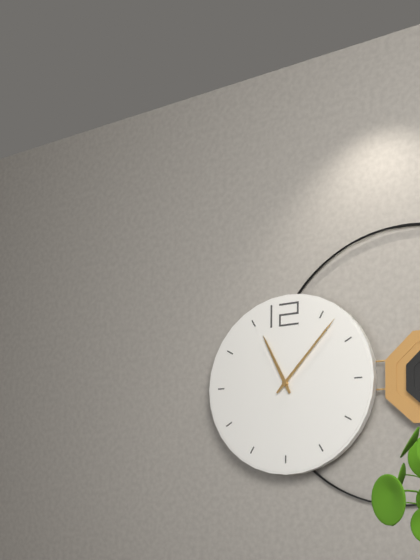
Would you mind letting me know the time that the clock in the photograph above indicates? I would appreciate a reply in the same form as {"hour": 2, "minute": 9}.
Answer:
{"hour": 11, "minute": 7}
